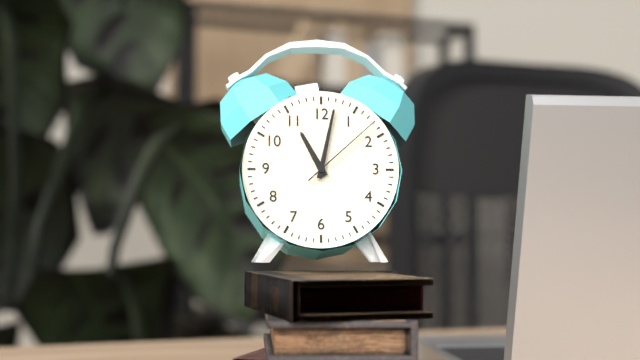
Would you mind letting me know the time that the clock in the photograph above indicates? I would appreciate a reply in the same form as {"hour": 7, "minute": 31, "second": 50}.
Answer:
{"hour": 11, "minute": 2, "second": 8}
